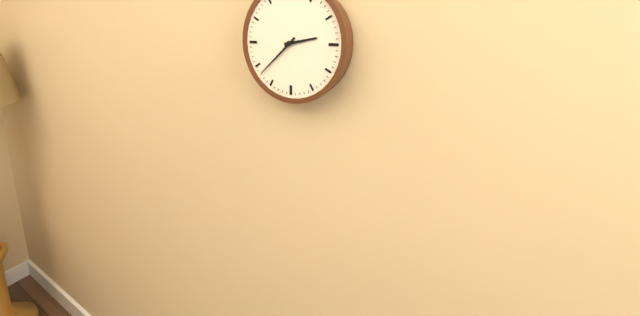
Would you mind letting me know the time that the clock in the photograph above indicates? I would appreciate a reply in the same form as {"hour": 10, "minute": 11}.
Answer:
{"hour": 2, "minute": 38}
